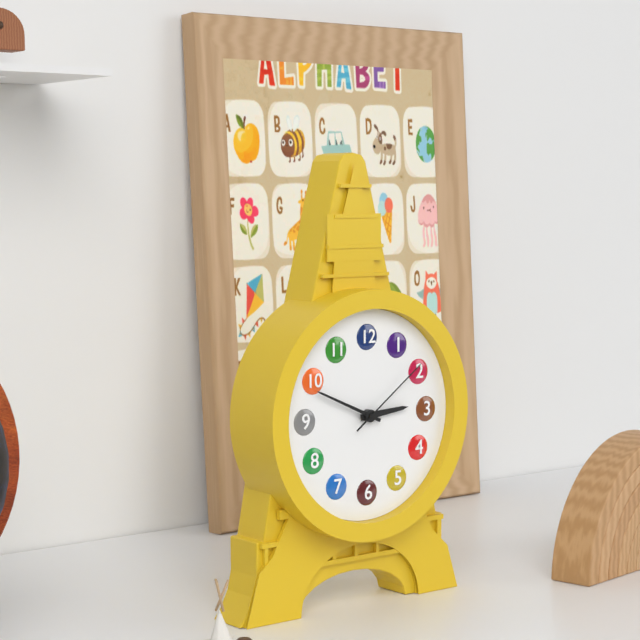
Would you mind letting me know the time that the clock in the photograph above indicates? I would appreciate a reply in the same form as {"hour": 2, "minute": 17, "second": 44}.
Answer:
{"hour": 2, "minute": 49, "second": 9}
